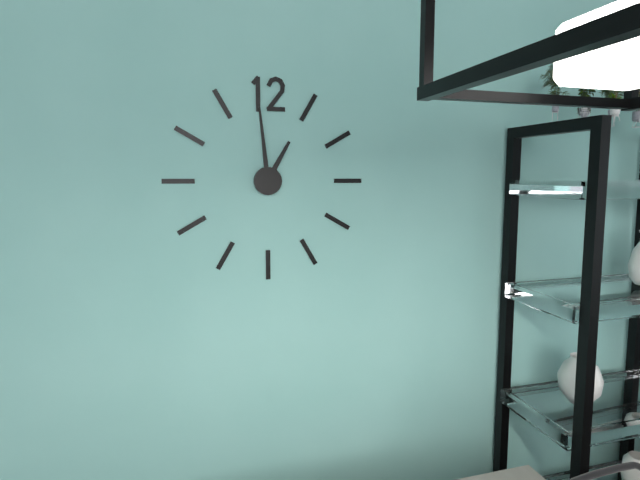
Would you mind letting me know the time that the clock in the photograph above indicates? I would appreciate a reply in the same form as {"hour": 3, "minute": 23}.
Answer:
{"hour": 12, "minute": 59}
